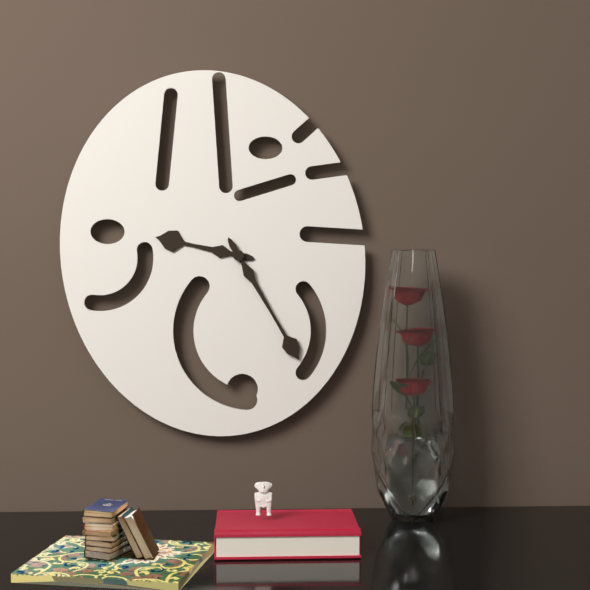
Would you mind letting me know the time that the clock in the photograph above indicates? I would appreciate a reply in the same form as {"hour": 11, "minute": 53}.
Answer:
{"hour": 9, "minute": 25}
